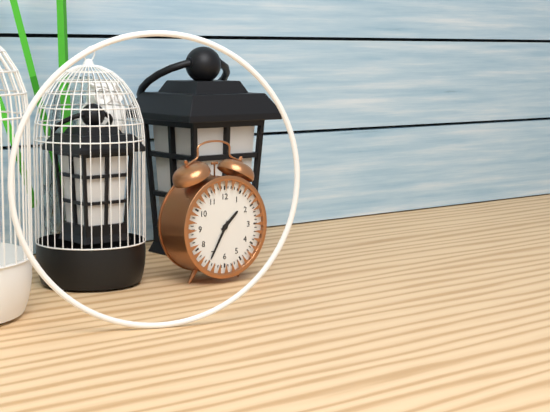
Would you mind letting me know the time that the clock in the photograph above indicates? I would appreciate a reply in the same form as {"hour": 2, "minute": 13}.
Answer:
{"hour": 1, "minute": 35}
